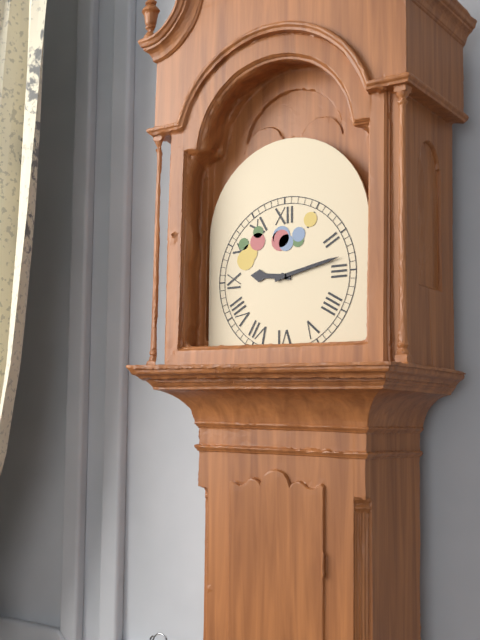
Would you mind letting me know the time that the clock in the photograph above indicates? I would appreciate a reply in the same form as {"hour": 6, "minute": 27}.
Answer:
{"hour": 9, "minute": 13}
